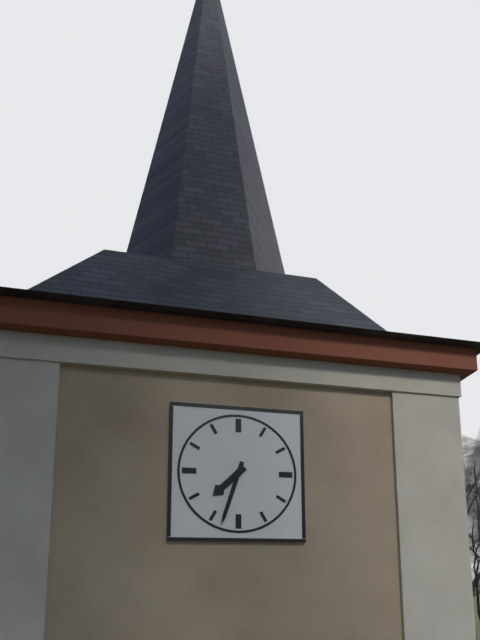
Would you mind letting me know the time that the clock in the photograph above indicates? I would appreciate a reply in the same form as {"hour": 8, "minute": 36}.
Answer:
{"hour": 7, "minute": 33}
